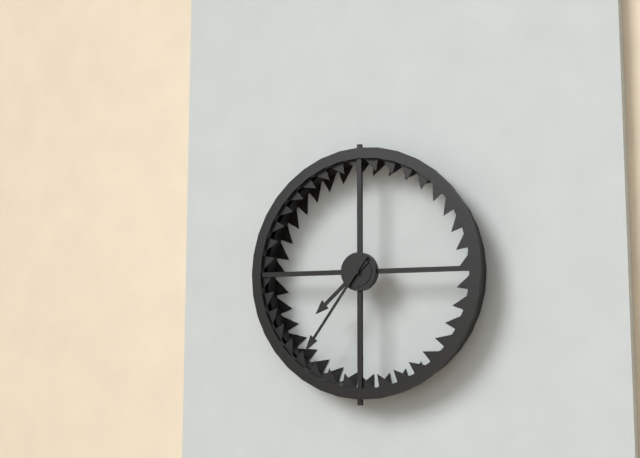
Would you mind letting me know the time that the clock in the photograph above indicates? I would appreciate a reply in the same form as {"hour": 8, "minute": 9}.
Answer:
{"hour": 7, "minute": 36}
